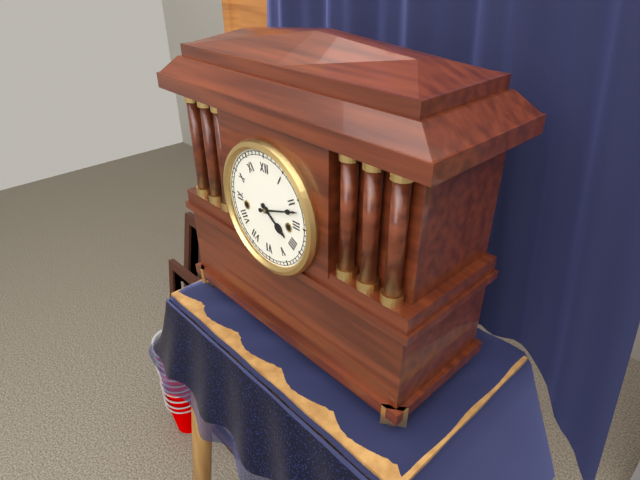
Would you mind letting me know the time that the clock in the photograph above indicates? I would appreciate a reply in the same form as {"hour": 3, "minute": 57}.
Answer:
{"hour": 4, "minute": 12}
